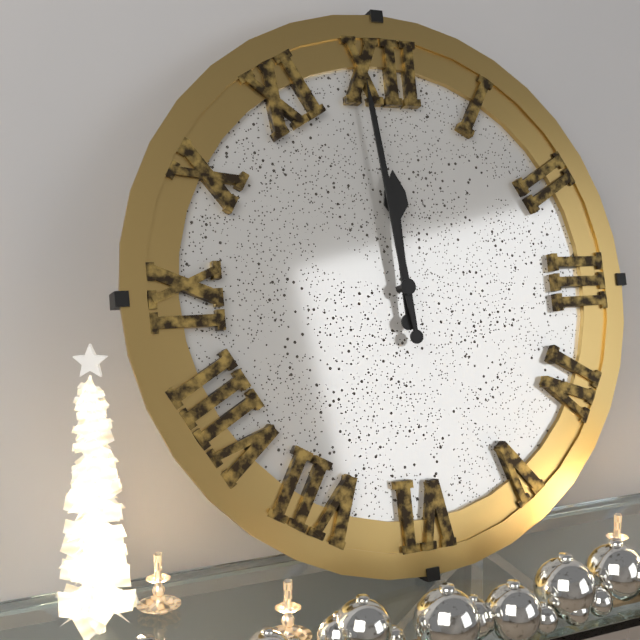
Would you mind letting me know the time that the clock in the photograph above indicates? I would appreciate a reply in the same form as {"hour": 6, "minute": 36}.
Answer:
{"hour": 11, "minute": 59}
